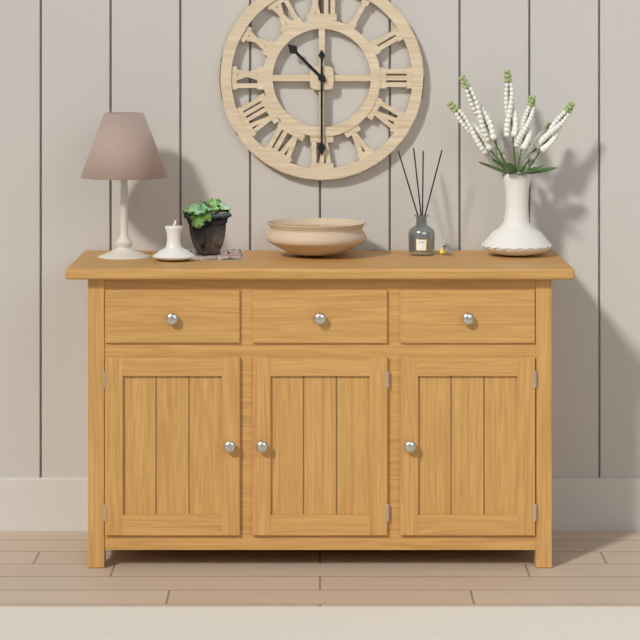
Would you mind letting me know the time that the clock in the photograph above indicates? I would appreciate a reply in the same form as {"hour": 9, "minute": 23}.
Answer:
{"hour": 10, "minute": 30}
